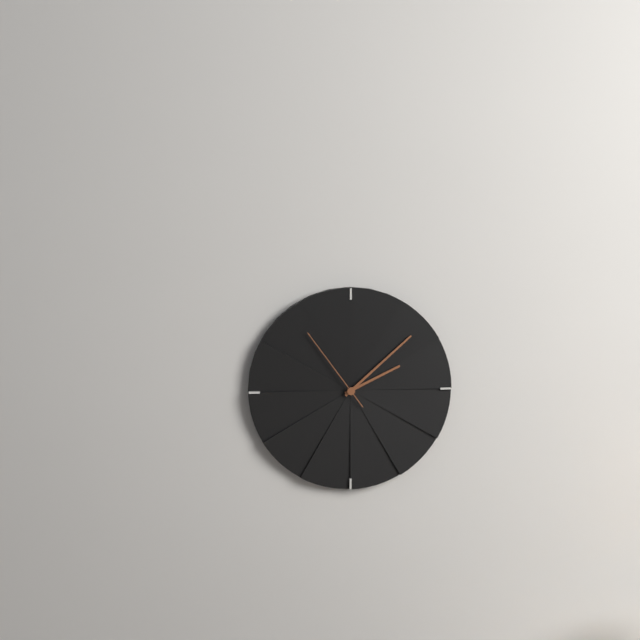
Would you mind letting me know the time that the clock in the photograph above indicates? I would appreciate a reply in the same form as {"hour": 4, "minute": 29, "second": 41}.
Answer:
{"hour": 2, "minute": 8, "second": 54}
